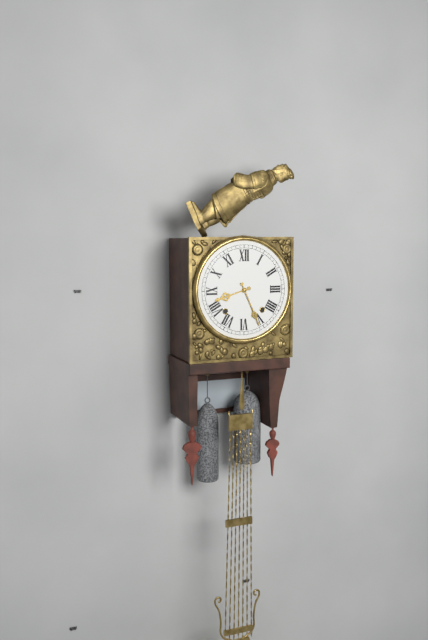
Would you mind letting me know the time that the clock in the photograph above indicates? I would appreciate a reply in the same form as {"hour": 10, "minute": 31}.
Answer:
{"hour": 8, "minute": 26}
